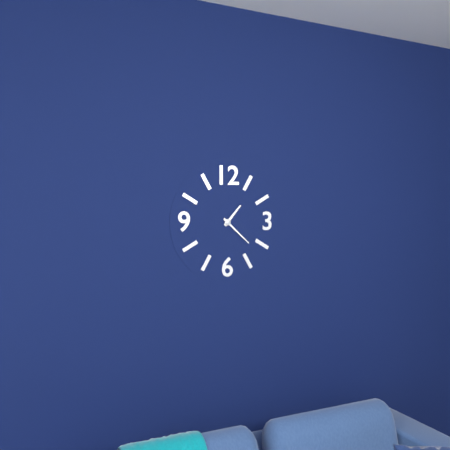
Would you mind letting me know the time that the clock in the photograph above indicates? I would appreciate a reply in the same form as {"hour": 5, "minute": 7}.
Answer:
{"hour": 1, "minute": 22}
